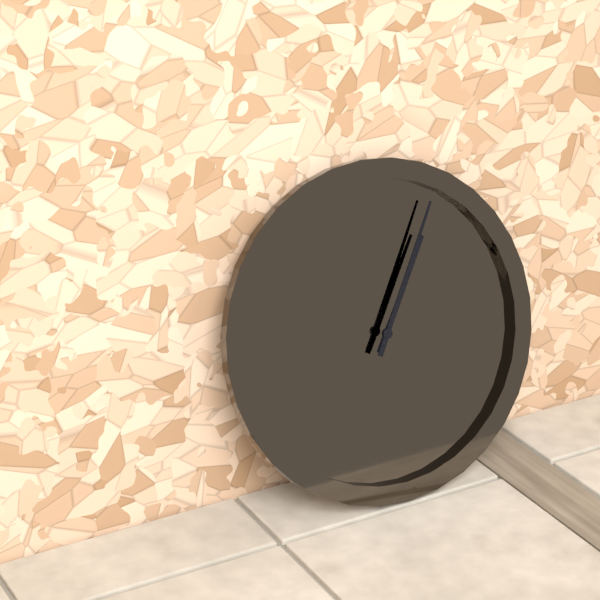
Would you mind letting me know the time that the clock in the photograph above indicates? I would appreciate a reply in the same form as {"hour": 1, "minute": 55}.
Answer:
{"hour": 1, "minute": 5}
